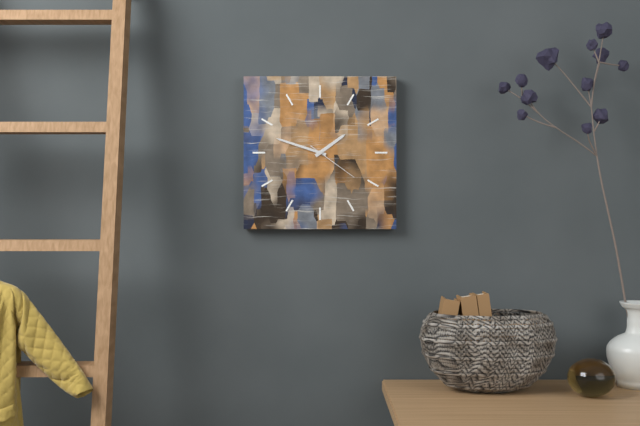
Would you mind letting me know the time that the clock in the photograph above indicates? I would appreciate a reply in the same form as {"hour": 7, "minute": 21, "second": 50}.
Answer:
{"hour": 1, "minute": 48, "second": 21}
